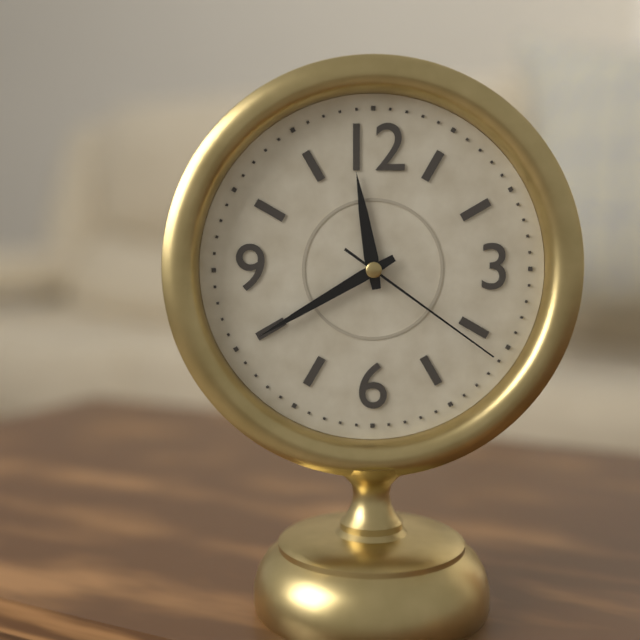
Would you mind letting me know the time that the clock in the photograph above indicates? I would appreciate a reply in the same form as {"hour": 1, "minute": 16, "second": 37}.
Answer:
{"hour": 11, "minute": 40, "second": 21}
